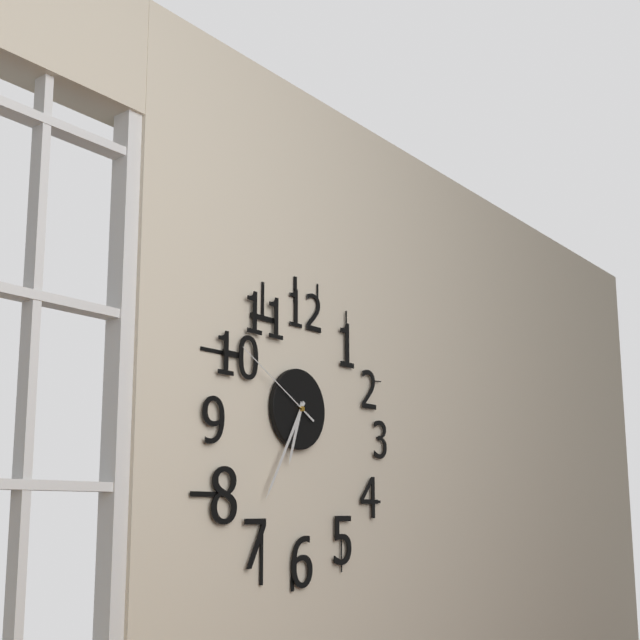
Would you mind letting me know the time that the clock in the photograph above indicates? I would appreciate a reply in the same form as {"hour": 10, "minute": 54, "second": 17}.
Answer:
{"hour": 6, "minute": 35, "second": 50}
